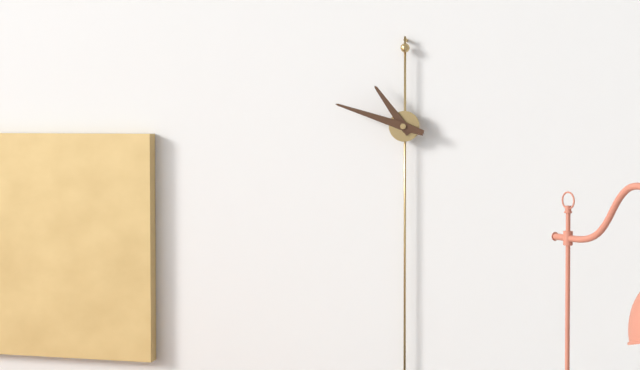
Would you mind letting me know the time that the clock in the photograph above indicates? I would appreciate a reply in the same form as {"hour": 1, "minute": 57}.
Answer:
{"hour": 10, "minute": 48}
